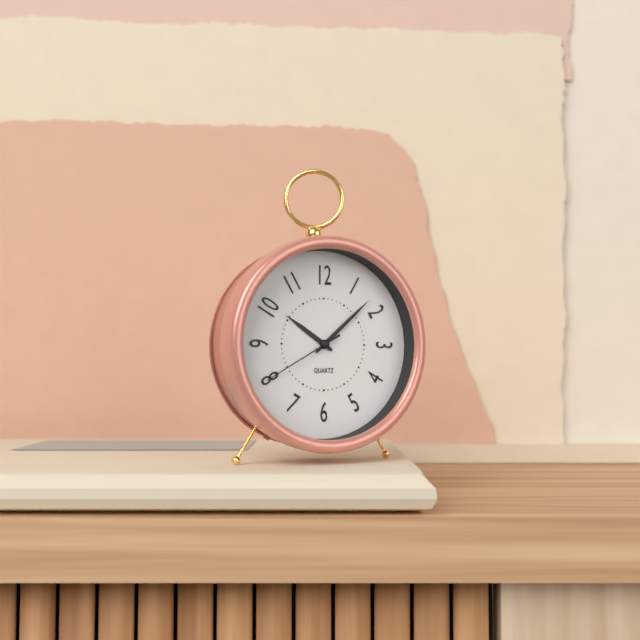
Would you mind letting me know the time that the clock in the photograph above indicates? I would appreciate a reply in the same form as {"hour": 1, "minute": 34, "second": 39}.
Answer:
{"hour": 10, "minute": 8, "second": 40}
